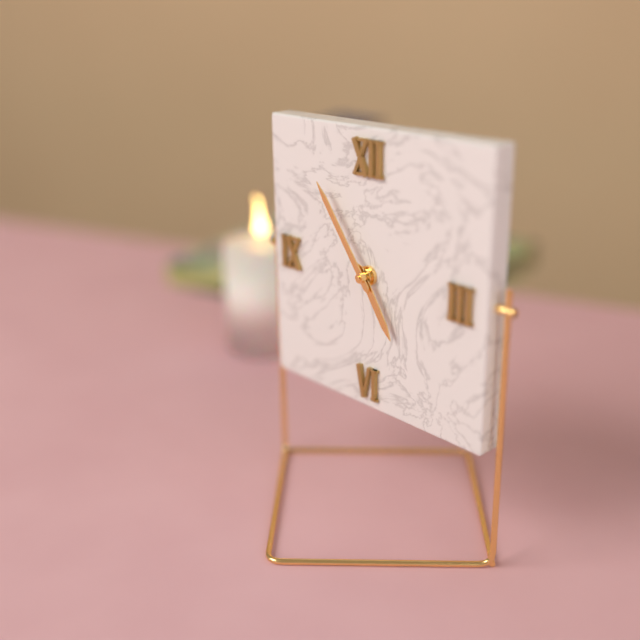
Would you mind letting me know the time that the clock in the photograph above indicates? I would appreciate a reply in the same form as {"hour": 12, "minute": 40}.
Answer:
{"hour": 4, "minute": 54}
